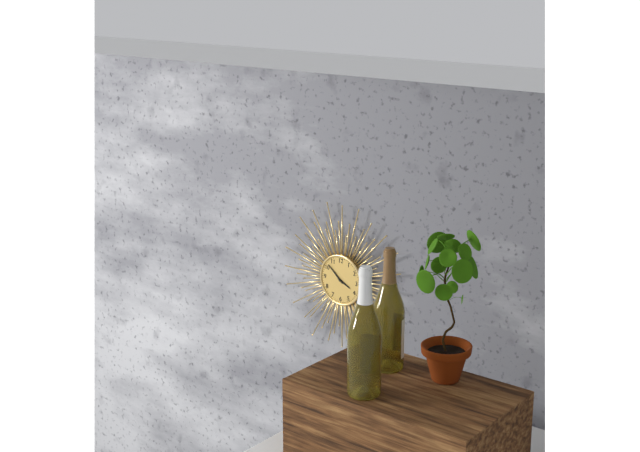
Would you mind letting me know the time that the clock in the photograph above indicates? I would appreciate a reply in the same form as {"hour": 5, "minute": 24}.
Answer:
{"hour": 3, "minute": 52}
